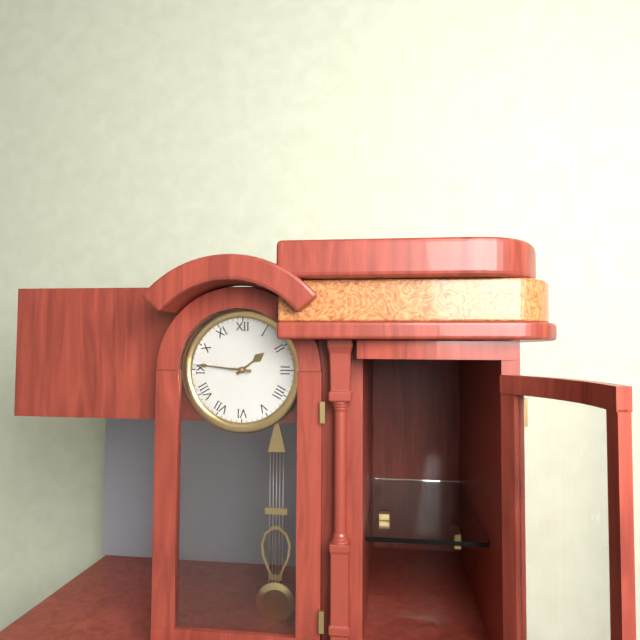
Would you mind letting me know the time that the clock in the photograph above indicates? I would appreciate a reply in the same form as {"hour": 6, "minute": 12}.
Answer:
{"hour": 1, "minute": 46}
